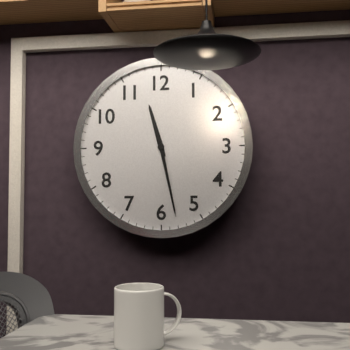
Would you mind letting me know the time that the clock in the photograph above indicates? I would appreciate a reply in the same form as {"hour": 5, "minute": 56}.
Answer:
{"hour": 11, "minute": 28}
